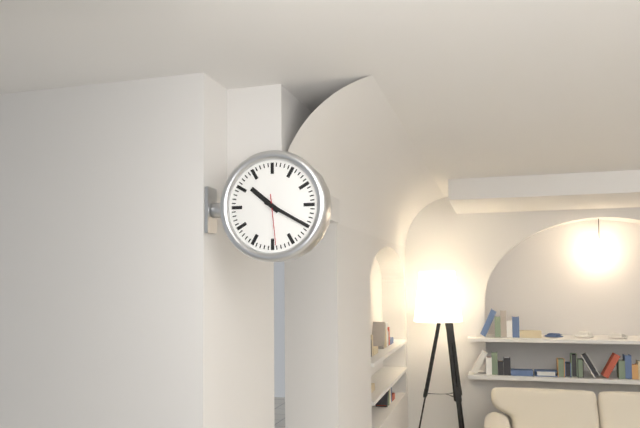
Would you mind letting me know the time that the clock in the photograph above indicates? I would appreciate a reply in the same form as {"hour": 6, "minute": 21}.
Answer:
{"hour": 10, "minute": 20}
